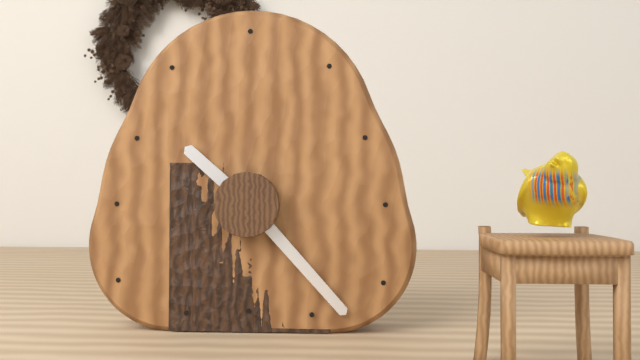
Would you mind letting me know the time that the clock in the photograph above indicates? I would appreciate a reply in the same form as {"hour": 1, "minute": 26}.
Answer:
{"hour": 10, "minute": 23}
